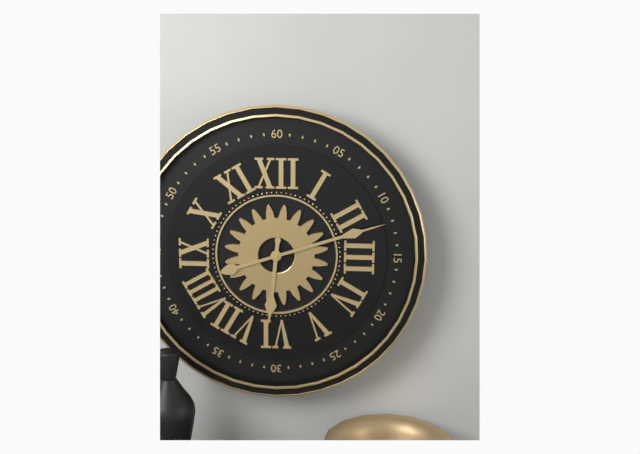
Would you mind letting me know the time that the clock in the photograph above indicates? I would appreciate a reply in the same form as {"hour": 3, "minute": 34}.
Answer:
{"hour": 6, "minute": 12}
